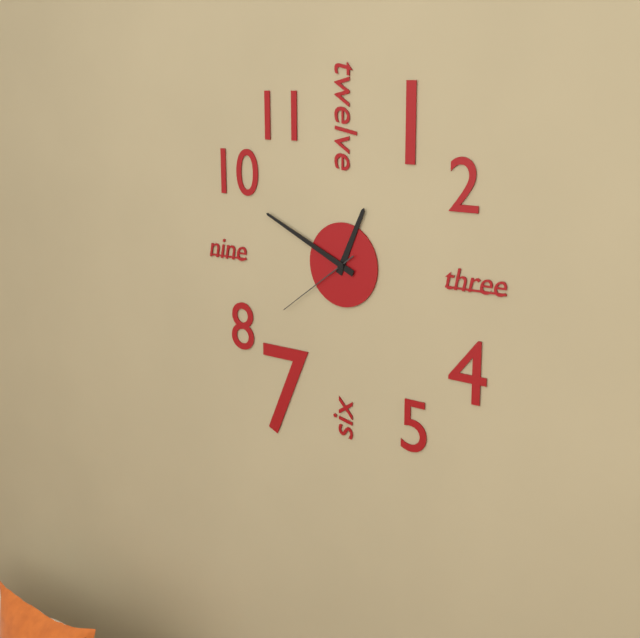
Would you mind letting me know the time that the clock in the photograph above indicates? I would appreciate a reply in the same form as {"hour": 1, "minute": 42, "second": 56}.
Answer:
{"hour": 12, "minute": 49, "second": 39}
